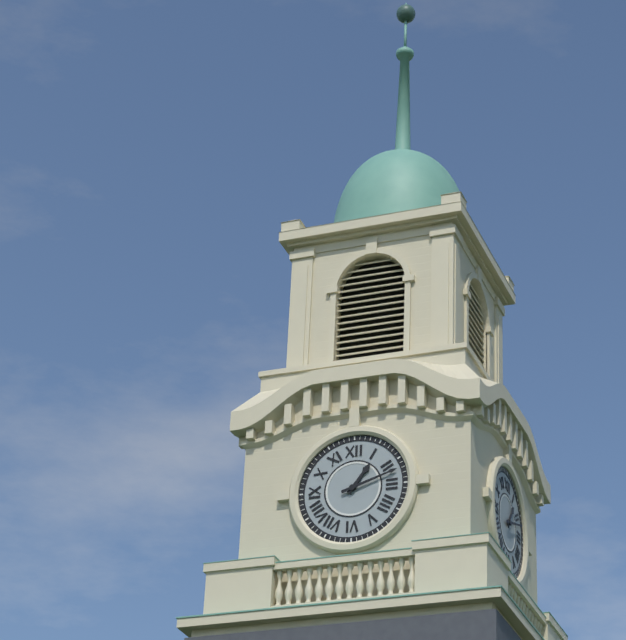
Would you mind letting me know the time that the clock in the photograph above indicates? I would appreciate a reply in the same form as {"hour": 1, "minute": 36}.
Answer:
{"hour": 1, "minute": 12}
